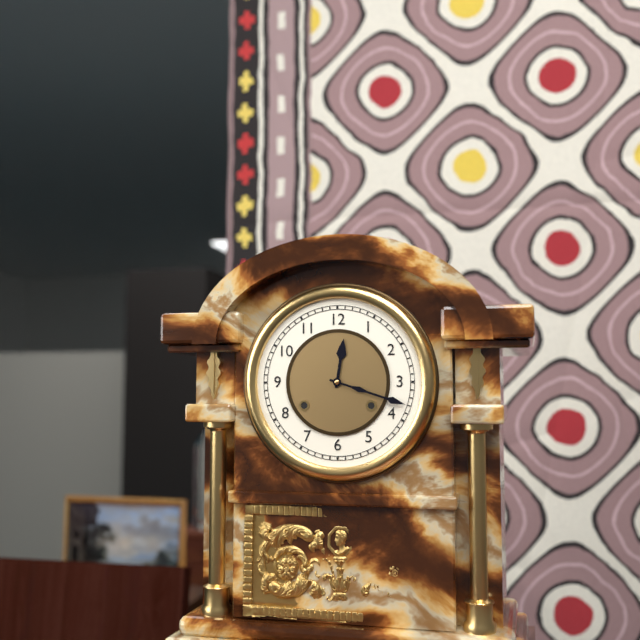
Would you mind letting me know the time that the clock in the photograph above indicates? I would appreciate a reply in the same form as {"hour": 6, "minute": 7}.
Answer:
{"hour": 12, "minute": 18}
